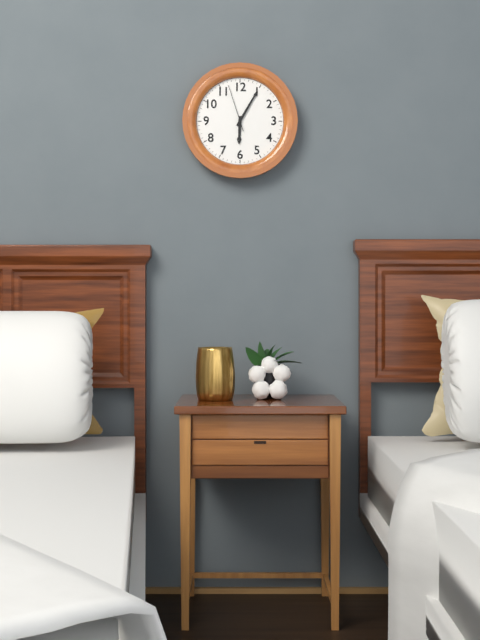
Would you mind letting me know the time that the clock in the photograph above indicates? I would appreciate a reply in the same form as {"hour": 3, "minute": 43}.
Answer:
{"hour": 6, "minute": 5}
